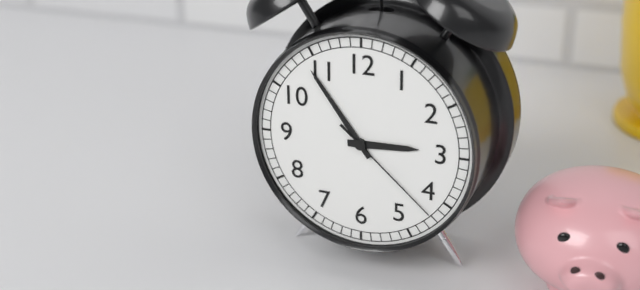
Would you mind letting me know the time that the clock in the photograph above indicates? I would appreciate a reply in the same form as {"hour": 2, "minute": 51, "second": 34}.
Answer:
{"hour": 2, "minute": 54, "second": 22}
